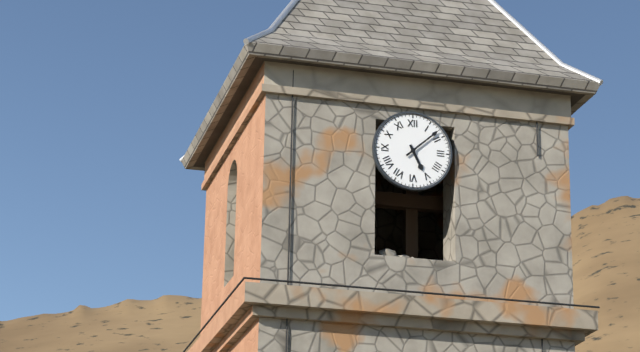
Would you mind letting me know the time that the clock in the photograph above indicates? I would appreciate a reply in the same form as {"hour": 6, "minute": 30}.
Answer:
{"hour": 5, "minute": 8}
